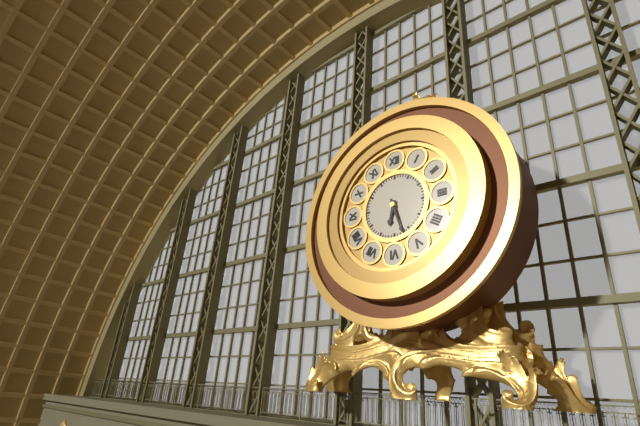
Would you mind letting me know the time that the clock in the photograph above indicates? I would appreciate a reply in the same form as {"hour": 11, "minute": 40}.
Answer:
{"hour": 6, "minute": 27}
